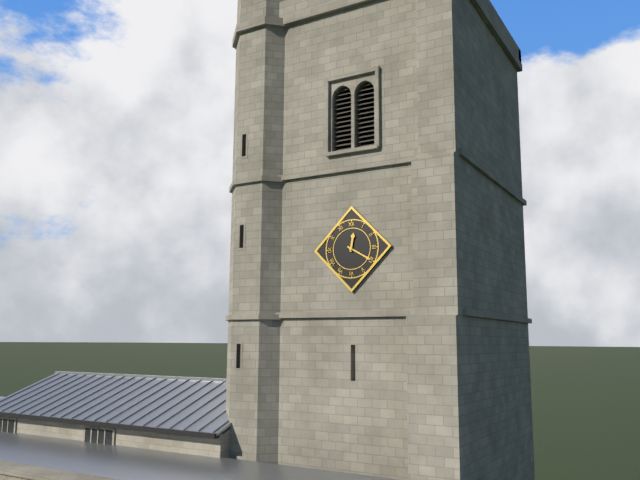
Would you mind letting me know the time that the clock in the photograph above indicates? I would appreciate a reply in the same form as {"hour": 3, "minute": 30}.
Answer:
{"hour": 12, "minute": 20}
